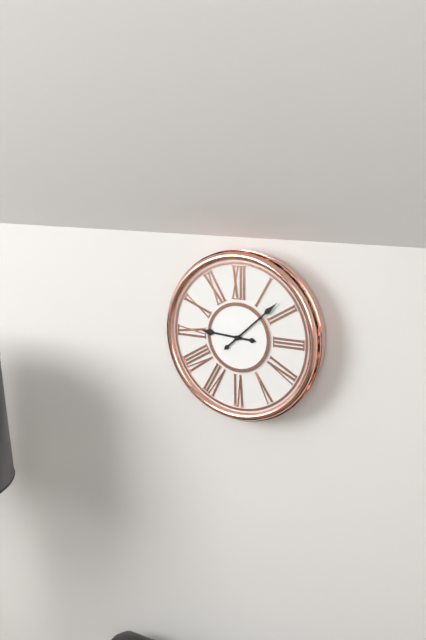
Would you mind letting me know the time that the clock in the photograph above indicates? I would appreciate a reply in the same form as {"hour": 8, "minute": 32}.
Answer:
{"hour": 9, "minute": 8}
